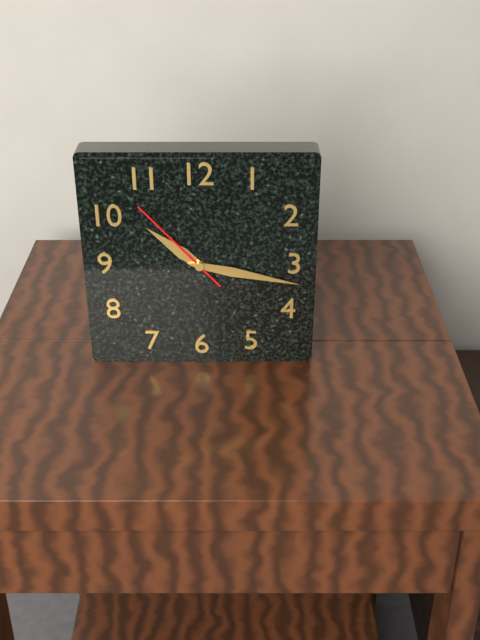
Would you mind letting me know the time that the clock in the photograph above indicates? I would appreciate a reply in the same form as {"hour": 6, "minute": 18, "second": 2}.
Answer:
{"hour": 10, "minute": 17, "second": 53}
